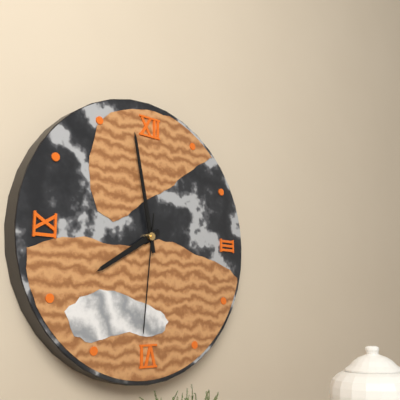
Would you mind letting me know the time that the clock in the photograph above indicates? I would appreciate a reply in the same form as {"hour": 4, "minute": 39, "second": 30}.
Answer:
{"hour": 7, "minute": 58, "second": 31}
